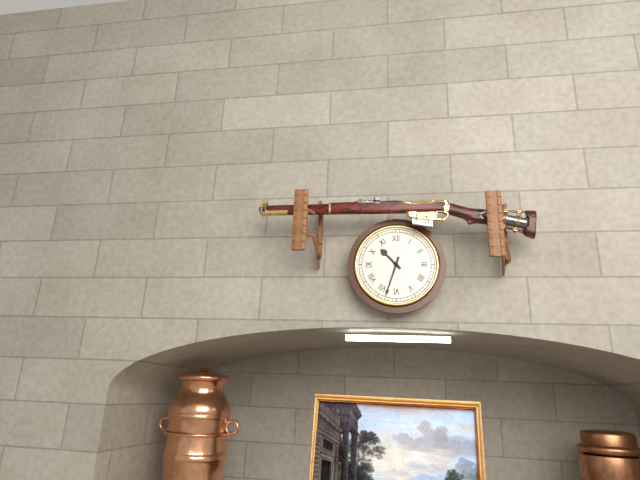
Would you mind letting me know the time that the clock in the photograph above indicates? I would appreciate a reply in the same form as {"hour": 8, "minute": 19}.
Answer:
{"hour": 10, "minute": 33}
